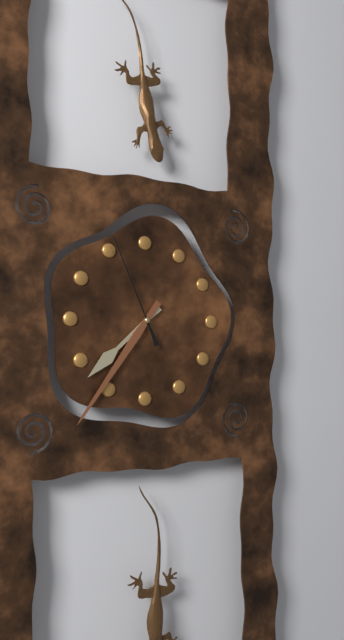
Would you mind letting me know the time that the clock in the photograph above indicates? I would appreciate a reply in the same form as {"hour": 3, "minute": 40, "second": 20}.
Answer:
{"hour": 7, "minute": 36, "second": 56}
